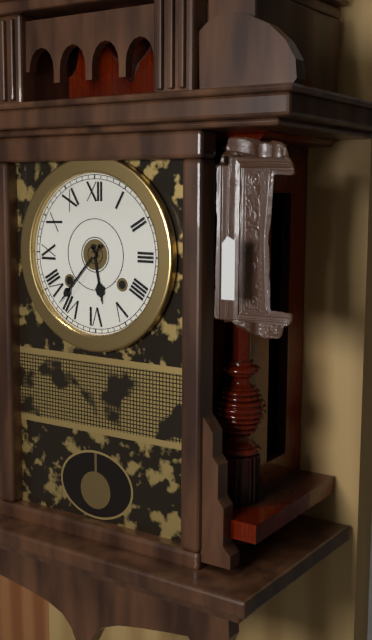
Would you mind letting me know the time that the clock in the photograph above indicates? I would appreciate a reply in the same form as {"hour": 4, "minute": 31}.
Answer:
{"hour": 5, "minute": 37}
